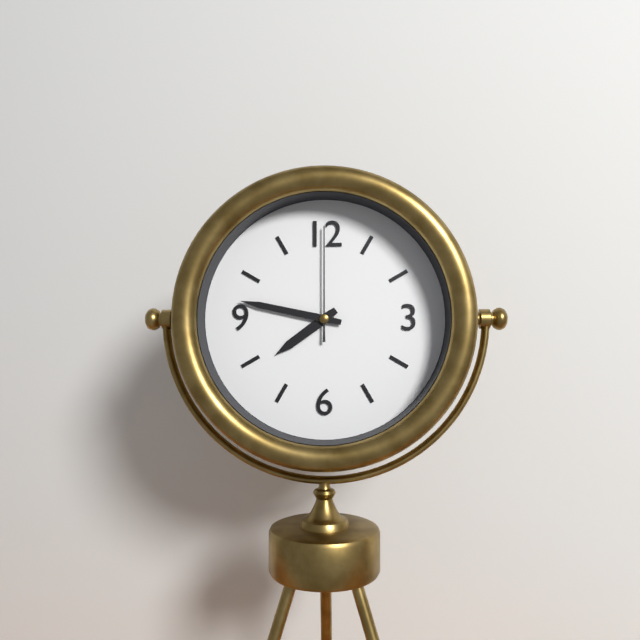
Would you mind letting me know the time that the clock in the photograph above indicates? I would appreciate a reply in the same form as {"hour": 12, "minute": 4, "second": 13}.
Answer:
{"hour": 7, "minute": 47, "second": 0}
